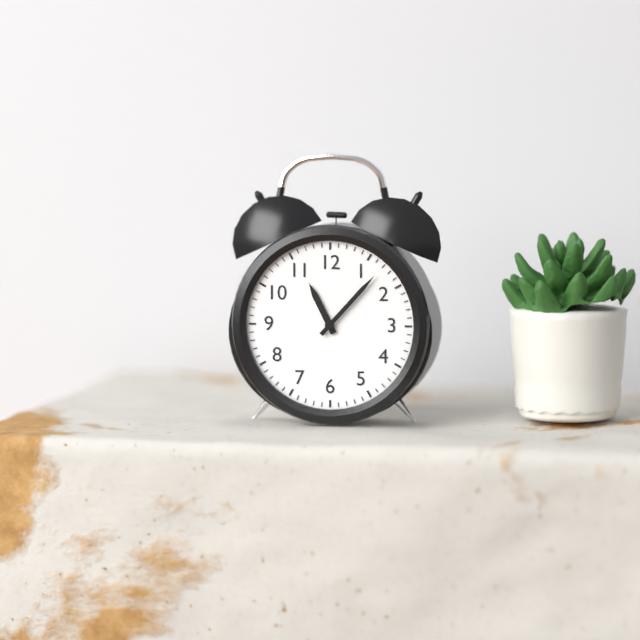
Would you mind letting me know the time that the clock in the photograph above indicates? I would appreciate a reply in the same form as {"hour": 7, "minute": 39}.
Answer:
{"hour": 11, "minute": 7}
